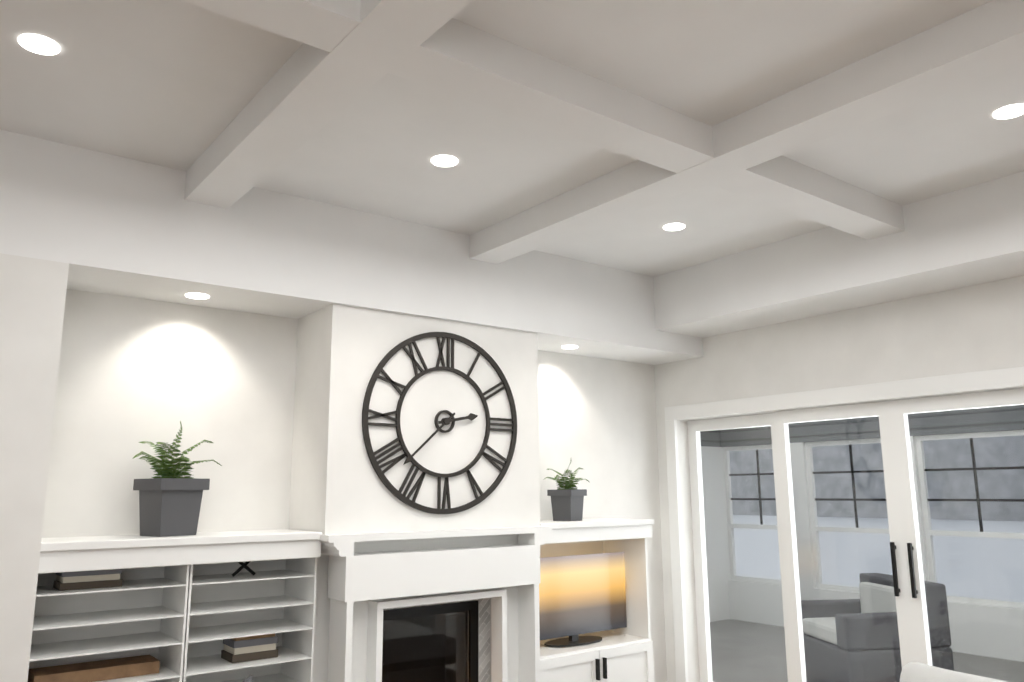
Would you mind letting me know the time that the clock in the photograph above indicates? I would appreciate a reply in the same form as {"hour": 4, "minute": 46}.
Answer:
{"hour": 2, "minute": 38}
